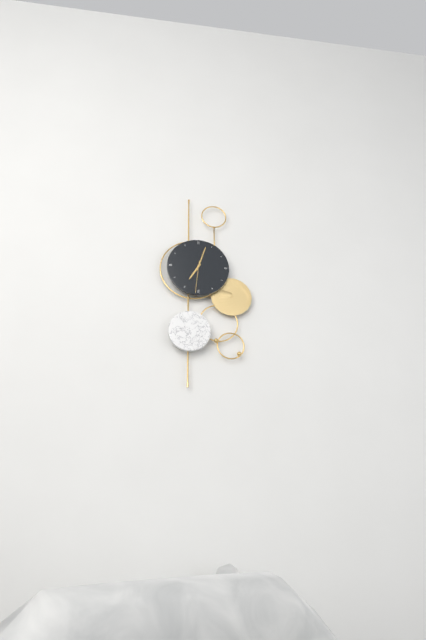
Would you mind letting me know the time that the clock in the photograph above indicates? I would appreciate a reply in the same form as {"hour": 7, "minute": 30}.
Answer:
{"hour": 7, "minute": 3}
